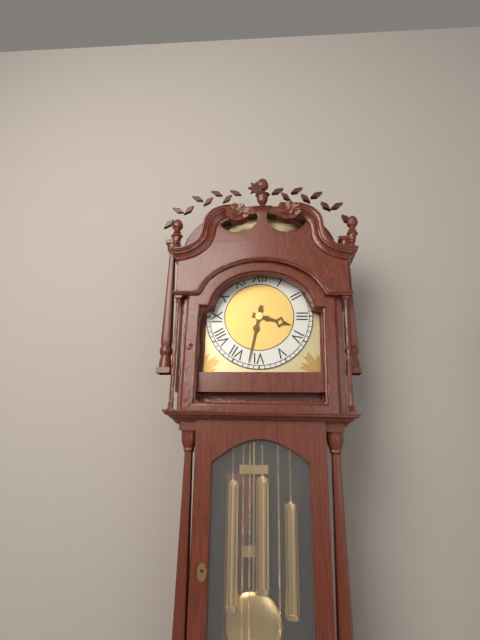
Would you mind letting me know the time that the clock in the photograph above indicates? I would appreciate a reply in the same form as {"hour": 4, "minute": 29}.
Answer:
{"hour": 3, "minute": 32}
